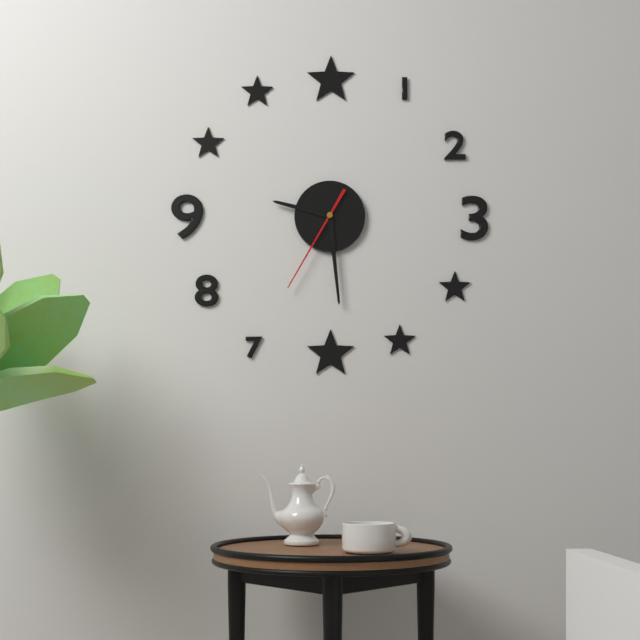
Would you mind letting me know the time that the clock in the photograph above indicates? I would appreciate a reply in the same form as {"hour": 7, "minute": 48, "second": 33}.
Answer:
{"hour": 9, "minute": 29, "second": 35}
